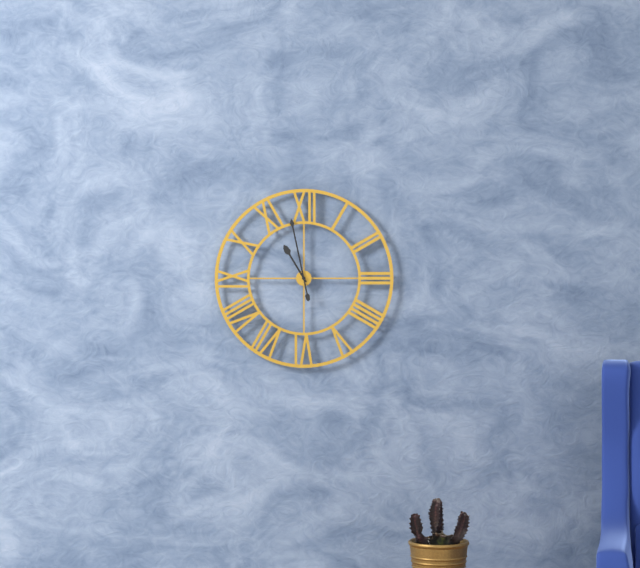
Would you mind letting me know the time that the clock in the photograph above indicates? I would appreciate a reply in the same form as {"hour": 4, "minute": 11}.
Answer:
{"hour": 10, "minute": 58}
